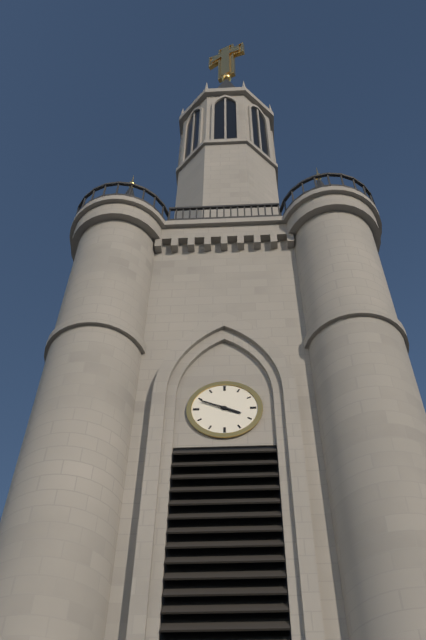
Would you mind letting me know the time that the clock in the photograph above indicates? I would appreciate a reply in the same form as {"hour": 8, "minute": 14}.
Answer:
{"hour": 3, "minute": 49}
